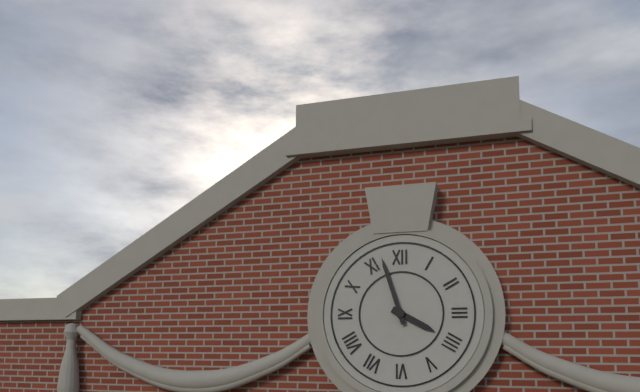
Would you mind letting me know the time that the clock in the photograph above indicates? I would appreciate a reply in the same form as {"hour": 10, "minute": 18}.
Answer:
{"hour": 3, "minute": 57}
